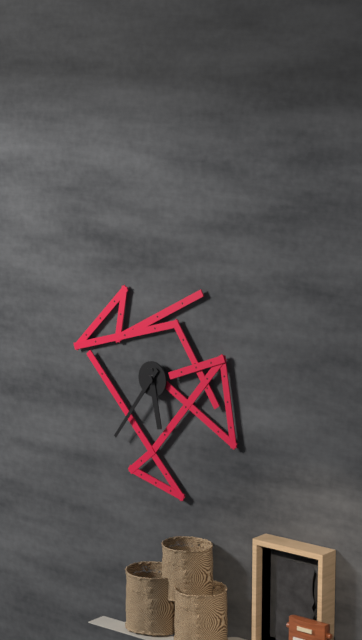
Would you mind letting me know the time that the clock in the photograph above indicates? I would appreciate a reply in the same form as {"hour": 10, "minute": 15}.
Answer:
{"hour": 5, "minute": 36}
